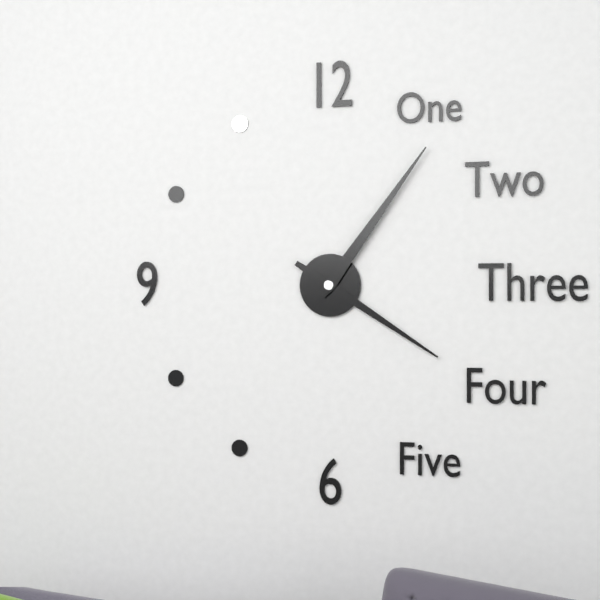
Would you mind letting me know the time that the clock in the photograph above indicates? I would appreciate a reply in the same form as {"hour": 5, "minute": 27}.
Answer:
{"hour": 4, "minute": 6}
